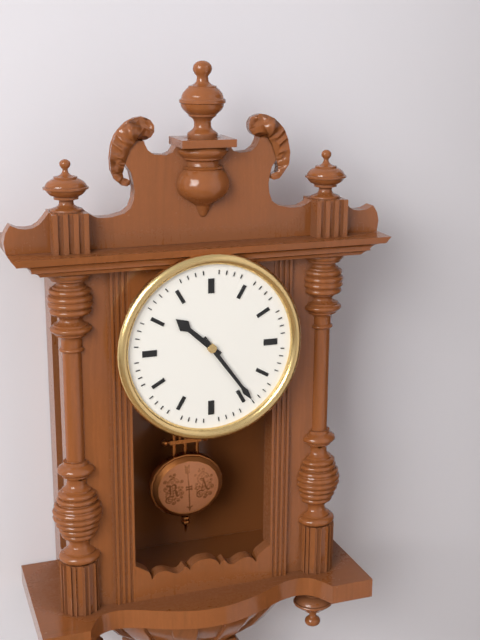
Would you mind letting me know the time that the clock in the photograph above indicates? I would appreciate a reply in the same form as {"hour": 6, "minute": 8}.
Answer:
{"hour": 10, "minute": 24}
